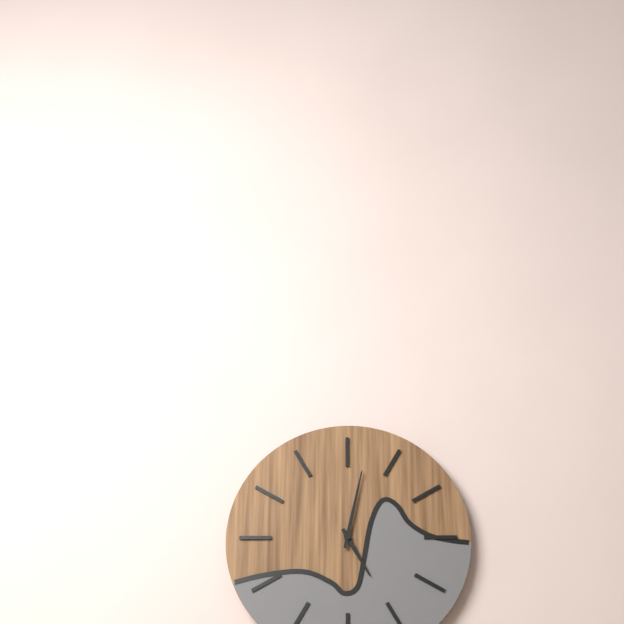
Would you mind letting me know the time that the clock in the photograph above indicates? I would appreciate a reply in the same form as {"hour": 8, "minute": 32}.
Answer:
{"hour": 5, "minute": 2}
